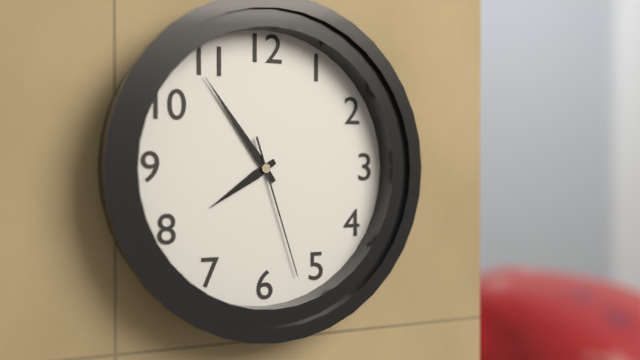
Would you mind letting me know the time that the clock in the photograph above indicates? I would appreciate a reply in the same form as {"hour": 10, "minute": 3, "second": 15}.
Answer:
{"hour": 7, "minute": 54, "second": 27}
